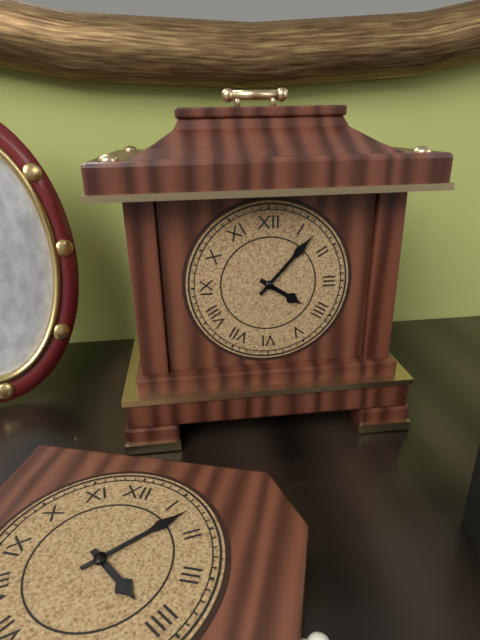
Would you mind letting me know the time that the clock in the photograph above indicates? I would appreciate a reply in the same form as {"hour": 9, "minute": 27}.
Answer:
{"hour": 4, "minute": 7}
